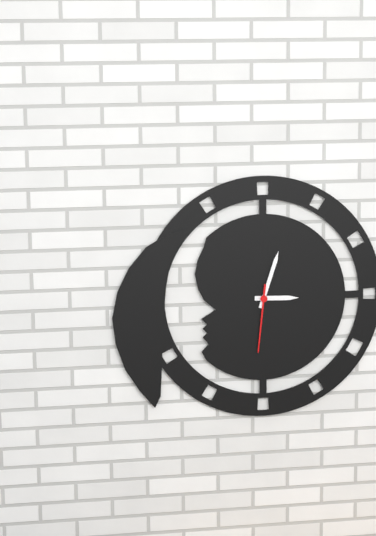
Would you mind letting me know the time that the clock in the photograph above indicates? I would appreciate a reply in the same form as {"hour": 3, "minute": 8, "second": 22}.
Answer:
{"hour": 3, "minute": 3, "second": 31}
